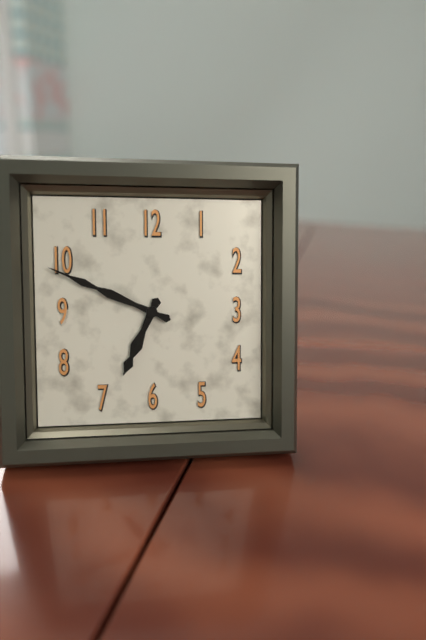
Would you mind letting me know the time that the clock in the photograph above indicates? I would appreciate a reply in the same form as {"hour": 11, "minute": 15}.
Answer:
{"hour": 6, "minute": 49}
